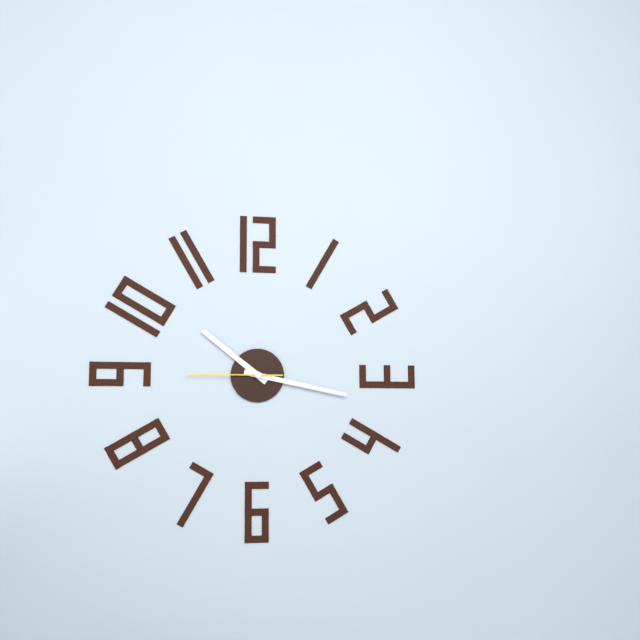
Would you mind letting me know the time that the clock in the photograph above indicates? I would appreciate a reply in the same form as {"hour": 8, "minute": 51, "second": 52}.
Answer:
{"hour": 10, "minute": 17, "second": 45}
